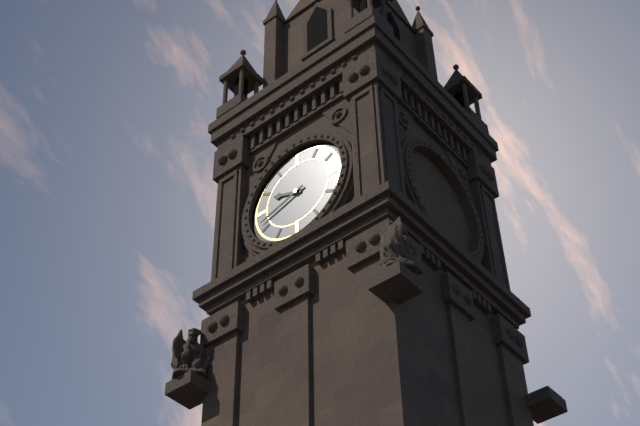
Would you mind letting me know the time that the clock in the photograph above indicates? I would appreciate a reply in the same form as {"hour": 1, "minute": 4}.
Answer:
{"hour": 9, "minute": 42}
